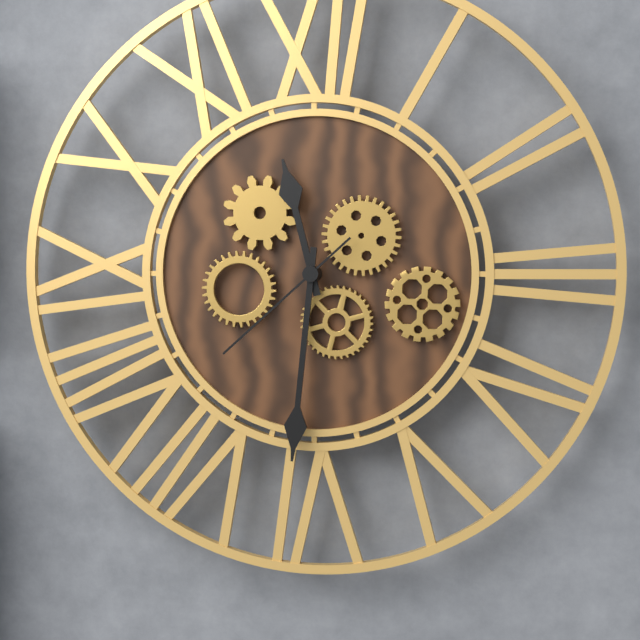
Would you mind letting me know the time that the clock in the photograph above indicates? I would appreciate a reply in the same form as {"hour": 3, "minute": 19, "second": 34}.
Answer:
{"hour": 11, "minute": 31, "second": 38}
